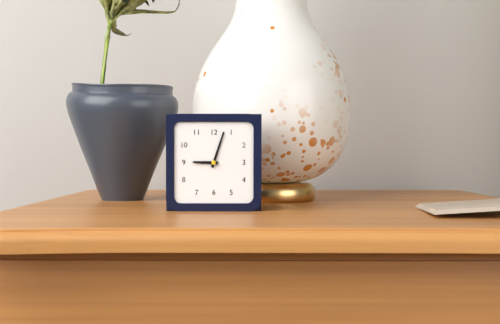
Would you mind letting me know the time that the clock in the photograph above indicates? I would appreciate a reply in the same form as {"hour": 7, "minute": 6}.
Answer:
{"hour": 9, "minute": 3}
